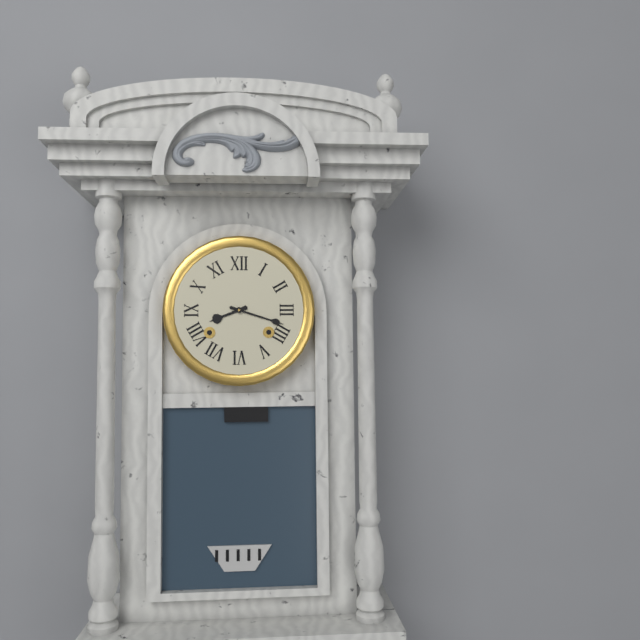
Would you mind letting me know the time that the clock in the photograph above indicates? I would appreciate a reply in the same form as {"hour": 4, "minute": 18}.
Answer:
{"hour": 8, "minute": 18}
